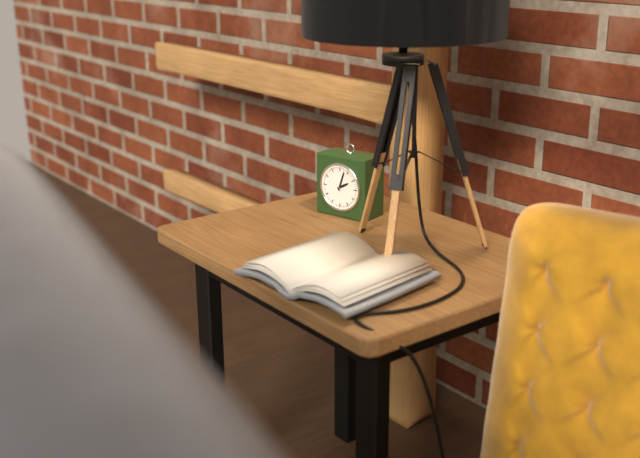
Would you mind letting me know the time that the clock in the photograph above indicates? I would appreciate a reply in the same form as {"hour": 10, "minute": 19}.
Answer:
{"hour": 2, "minute": 3}
